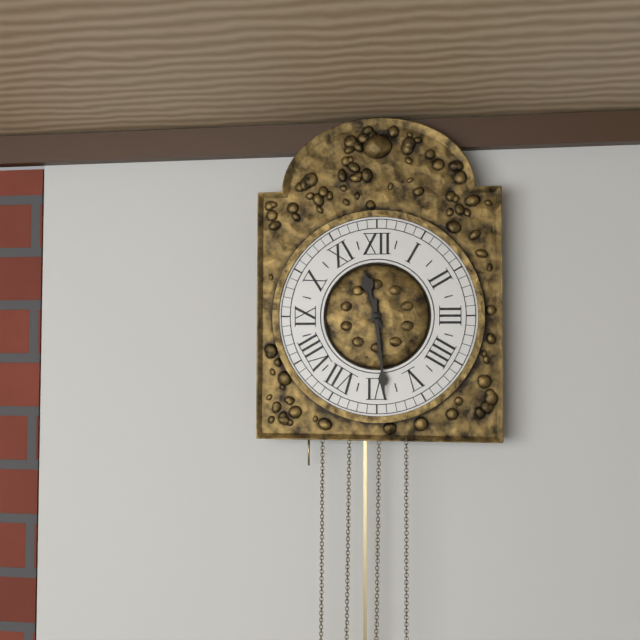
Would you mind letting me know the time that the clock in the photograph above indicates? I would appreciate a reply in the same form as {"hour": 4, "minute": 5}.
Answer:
{"hour": 11, "minute": 29}
